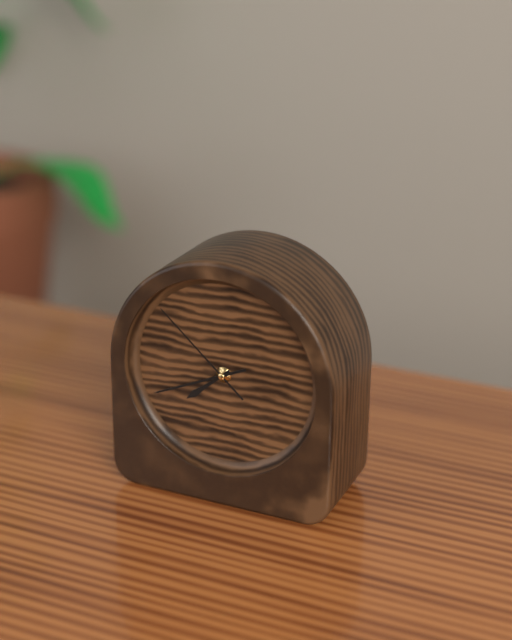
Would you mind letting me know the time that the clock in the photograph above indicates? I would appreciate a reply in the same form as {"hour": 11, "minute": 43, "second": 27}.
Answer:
{"hour": 7, "minute": 41, "second": 52}
